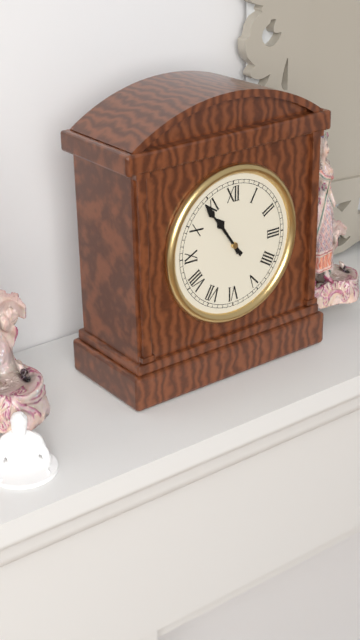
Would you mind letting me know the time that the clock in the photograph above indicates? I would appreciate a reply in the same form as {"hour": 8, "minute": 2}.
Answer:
{"hour": 10, "minute": 54}
